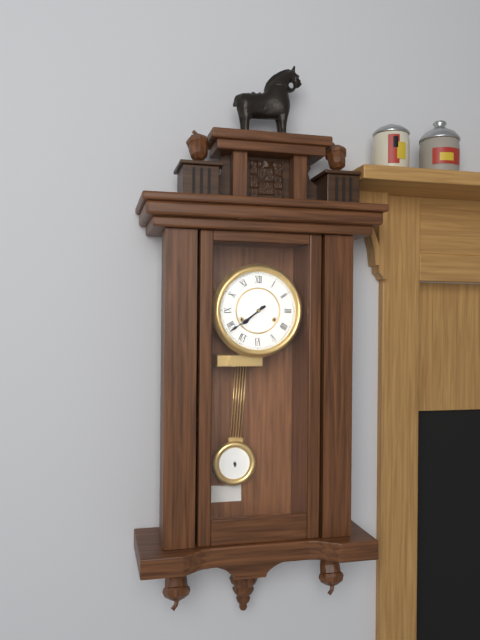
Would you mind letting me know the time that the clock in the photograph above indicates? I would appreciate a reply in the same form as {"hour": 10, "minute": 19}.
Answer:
{"hour": 7, "minute": 39}
